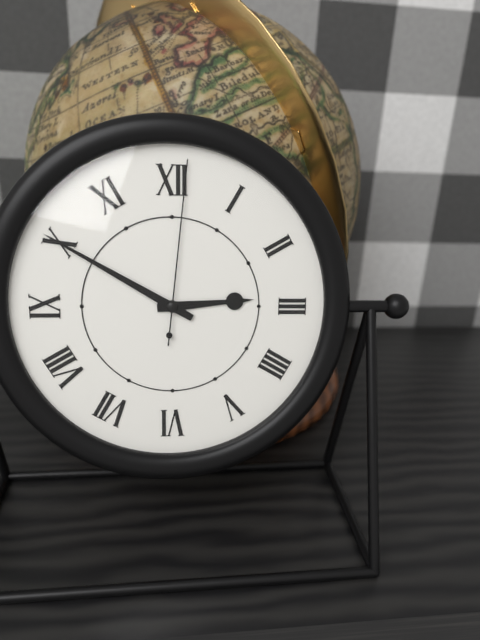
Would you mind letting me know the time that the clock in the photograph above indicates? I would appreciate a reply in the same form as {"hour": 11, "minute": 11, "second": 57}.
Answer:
{"hour": 2, "minute": 50, "second": 1}
